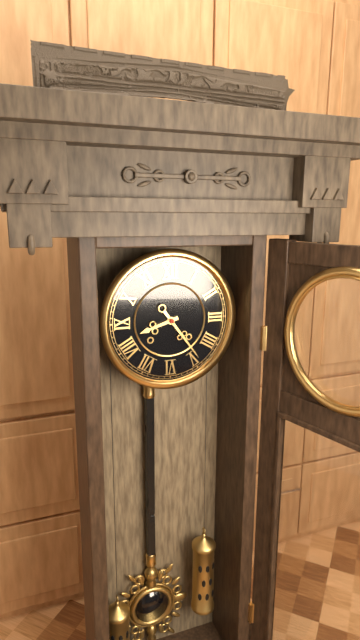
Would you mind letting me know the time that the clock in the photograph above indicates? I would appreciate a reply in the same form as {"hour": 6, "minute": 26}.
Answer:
{"hour": 8, "minute": 24}
